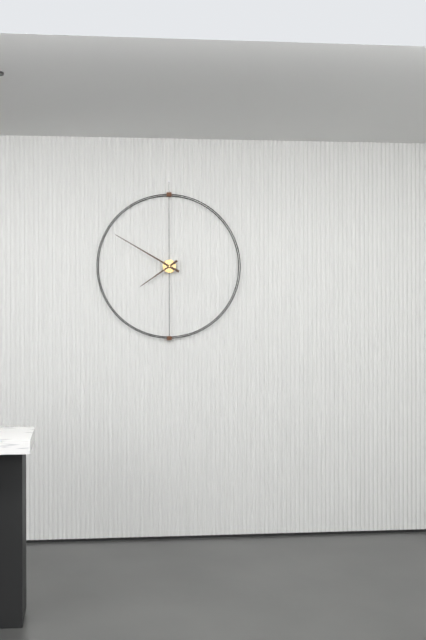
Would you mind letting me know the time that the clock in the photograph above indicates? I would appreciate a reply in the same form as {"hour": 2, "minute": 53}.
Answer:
{"hour": 7, "minute": 50}
